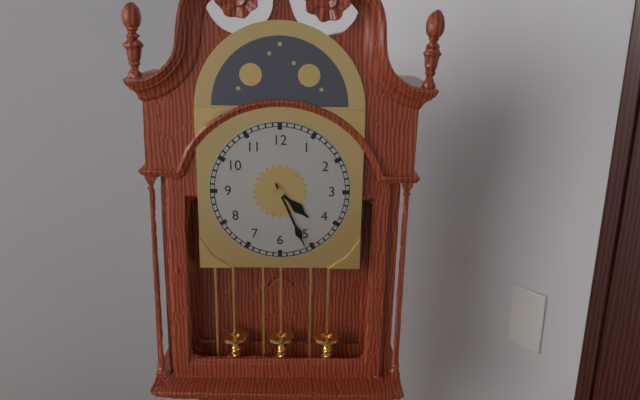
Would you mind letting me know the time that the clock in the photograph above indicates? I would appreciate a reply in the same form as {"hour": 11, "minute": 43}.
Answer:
{"hour": 4, "minute": 26}
